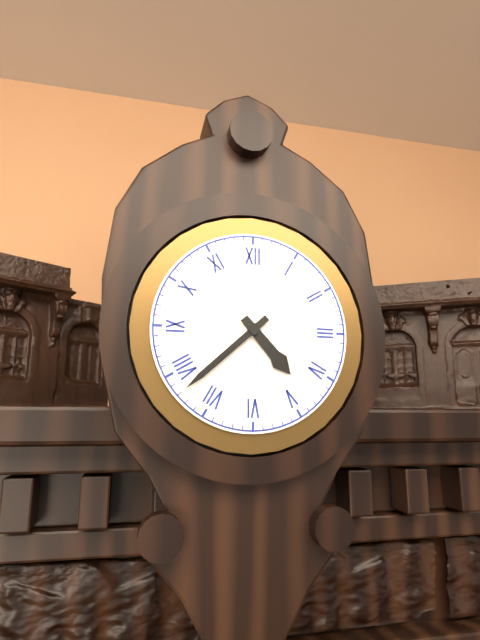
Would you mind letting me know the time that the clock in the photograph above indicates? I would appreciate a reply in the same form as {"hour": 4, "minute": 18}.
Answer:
{"hour": 4, "minute": 38}
